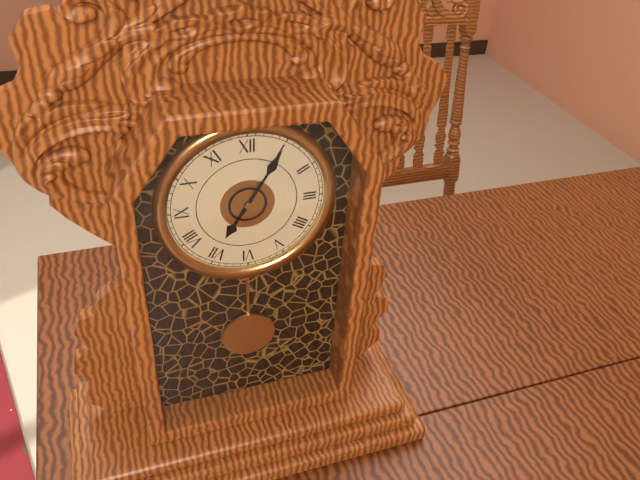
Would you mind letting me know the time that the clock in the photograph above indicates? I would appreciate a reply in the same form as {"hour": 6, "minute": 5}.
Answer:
{"hour": 7, "minute": 5}
